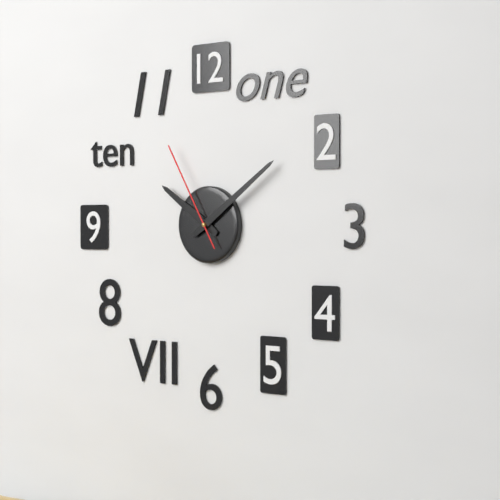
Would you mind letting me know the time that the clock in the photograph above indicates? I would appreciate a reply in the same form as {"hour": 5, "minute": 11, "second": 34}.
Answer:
{"hour": 10, "minute": 9, "second": 55}
